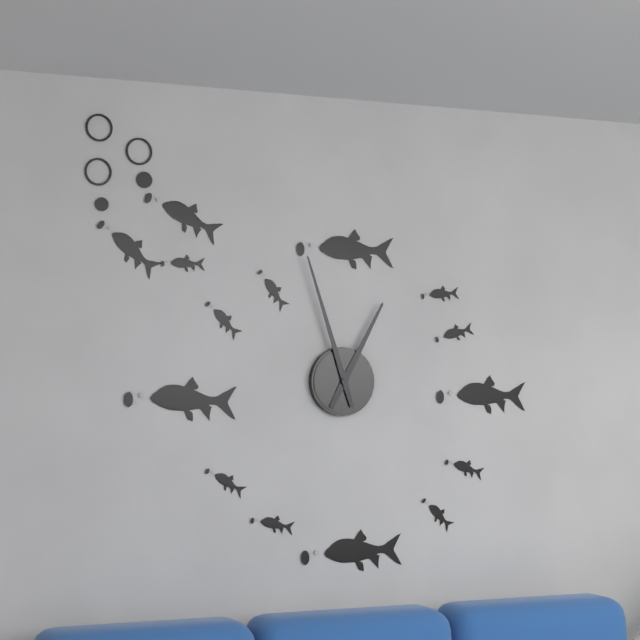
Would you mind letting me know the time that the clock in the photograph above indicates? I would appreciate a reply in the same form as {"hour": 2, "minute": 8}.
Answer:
{"hour": 12, "minute": 57}
